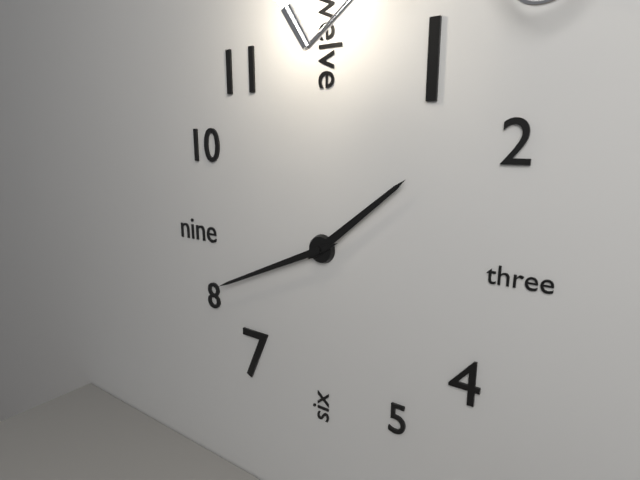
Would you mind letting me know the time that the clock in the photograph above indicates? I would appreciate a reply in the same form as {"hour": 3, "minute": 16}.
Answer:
{"hour": 1, "minute": 41}
